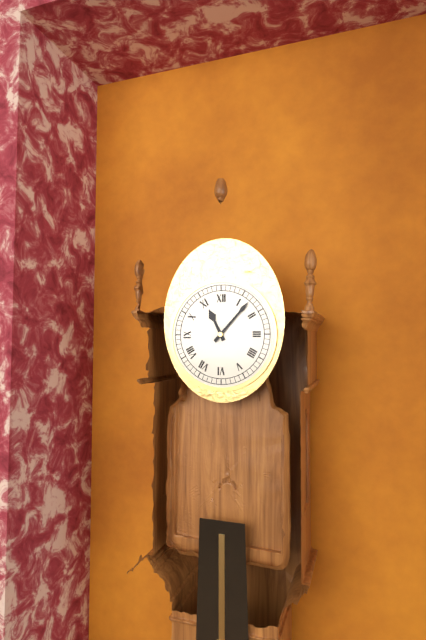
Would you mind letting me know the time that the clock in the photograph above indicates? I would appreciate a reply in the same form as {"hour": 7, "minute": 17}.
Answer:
{"hour": 11, "minute": 7}
